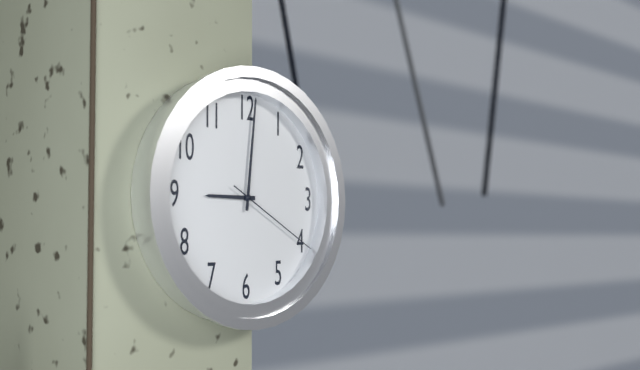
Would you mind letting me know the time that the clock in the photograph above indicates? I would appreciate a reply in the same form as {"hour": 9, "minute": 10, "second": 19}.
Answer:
{"hour": 9, "minute": 1, "second": 20}
